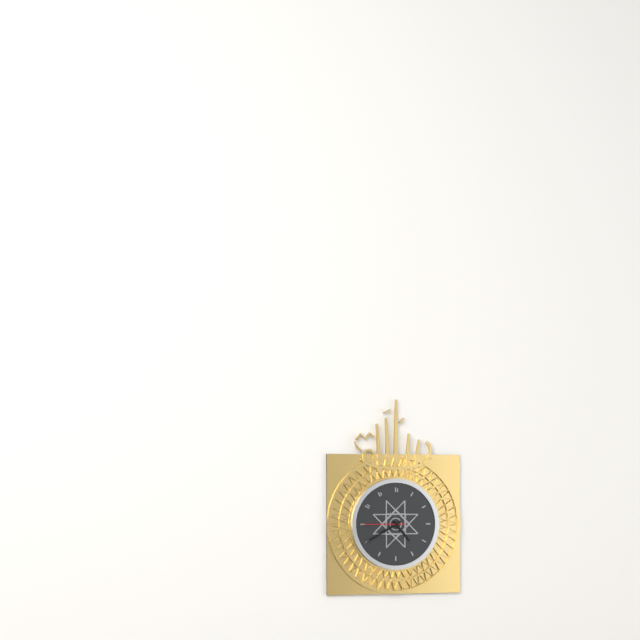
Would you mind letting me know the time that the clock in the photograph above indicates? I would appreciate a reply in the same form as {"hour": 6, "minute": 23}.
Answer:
{"hour": 4, "minute": 40}
